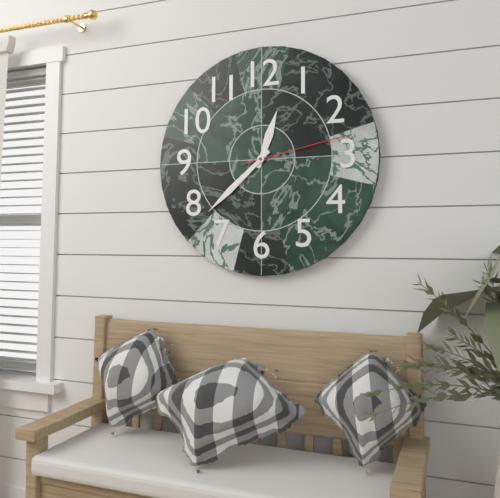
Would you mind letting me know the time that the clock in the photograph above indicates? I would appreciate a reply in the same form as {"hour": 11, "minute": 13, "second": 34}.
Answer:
{"hour": 12, "minute": 38, "second": 13}
